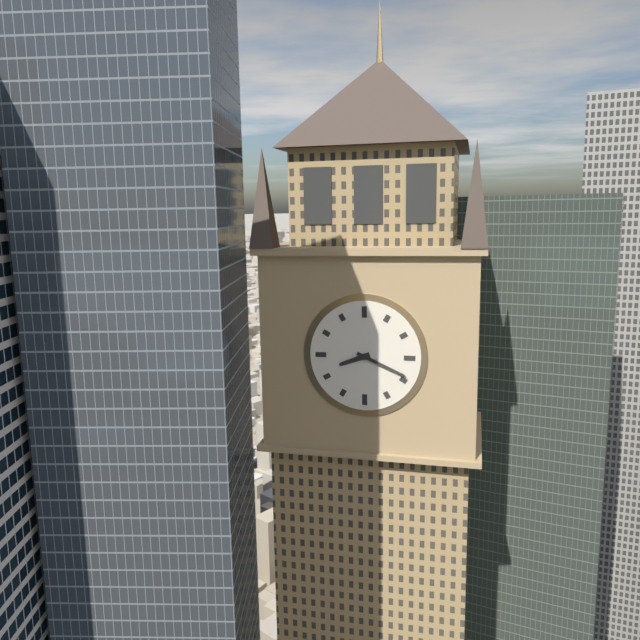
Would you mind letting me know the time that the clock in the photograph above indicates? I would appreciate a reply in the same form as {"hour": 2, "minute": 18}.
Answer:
{"hour": 8, "minute": 19}
